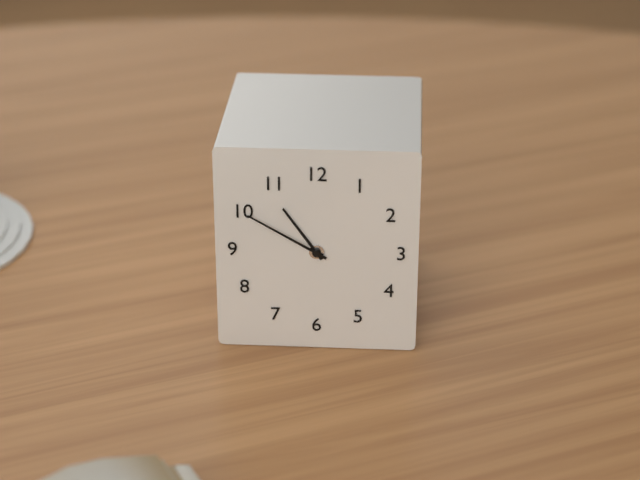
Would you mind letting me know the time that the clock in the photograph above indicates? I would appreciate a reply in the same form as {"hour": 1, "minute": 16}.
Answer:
{"hour": 10, "minute": 50}
